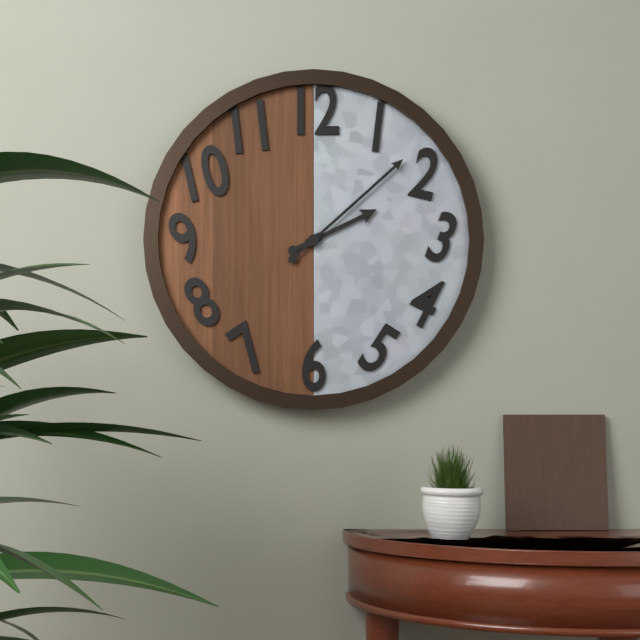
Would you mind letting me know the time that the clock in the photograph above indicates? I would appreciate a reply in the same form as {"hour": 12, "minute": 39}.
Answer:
{"hour": 2, "minute": 8}
